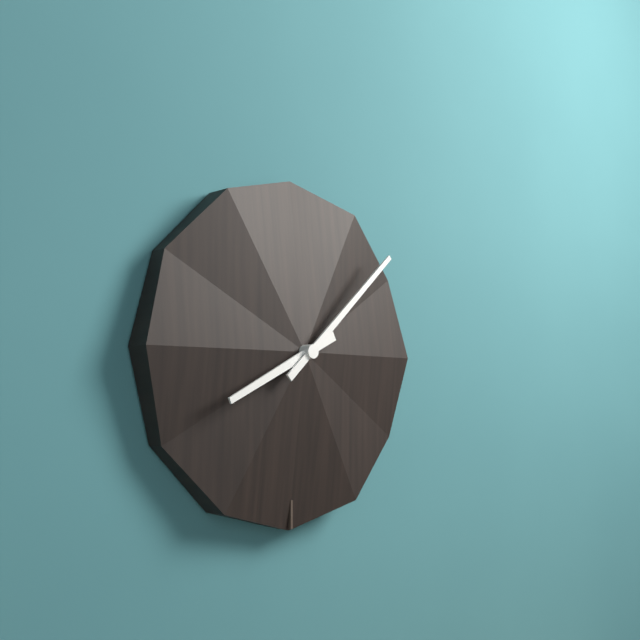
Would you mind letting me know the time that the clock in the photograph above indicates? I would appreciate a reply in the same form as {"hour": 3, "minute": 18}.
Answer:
{"hour": 8, "minute": 8}
